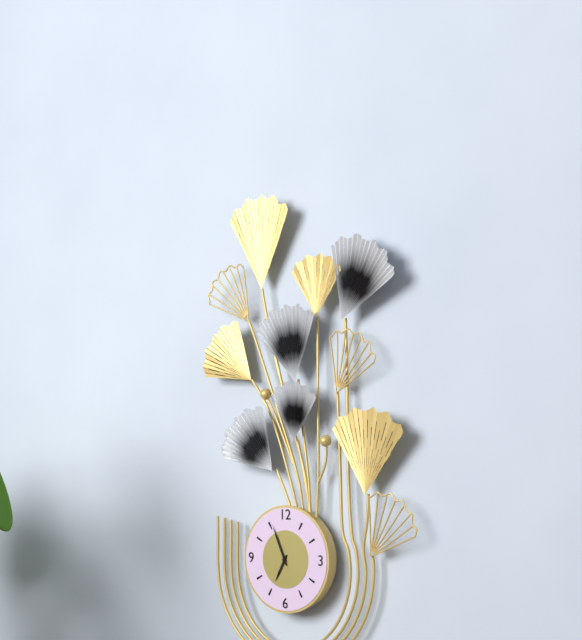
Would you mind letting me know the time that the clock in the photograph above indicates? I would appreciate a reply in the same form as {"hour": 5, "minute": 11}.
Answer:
{"hour": 6, "minute": 56}
